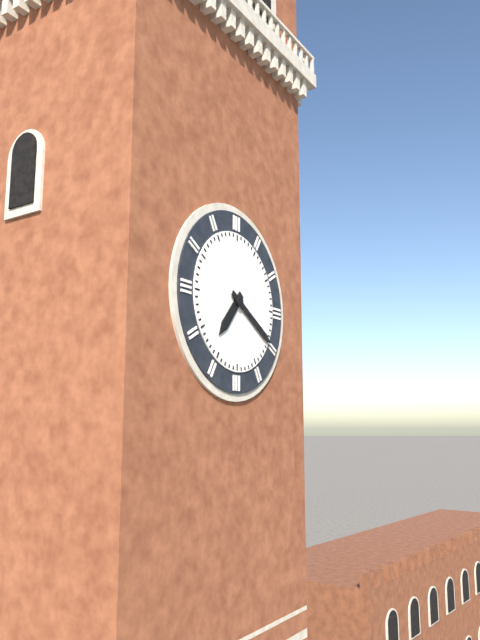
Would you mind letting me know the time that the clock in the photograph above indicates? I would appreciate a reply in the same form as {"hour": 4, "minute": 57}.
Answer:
{"hour": 7, "minute": 20}
